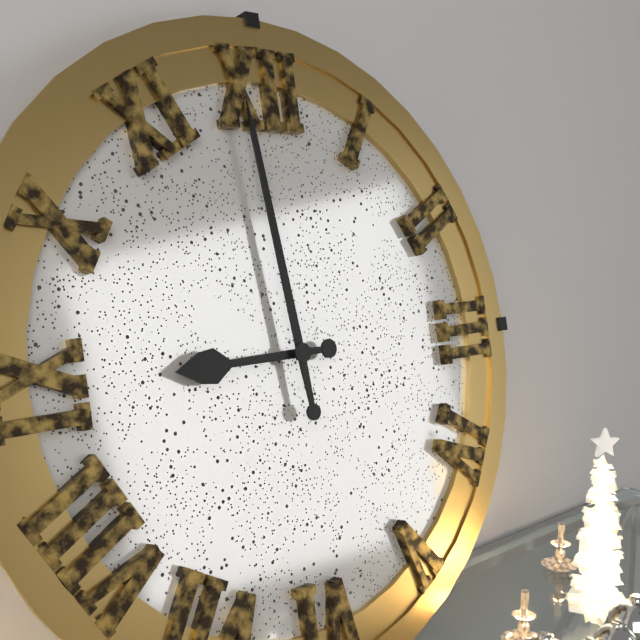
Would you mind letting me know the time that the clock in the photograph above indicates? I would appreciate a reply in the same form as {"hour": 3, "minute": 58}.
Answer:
{"hour": 8, "minute": 59}
